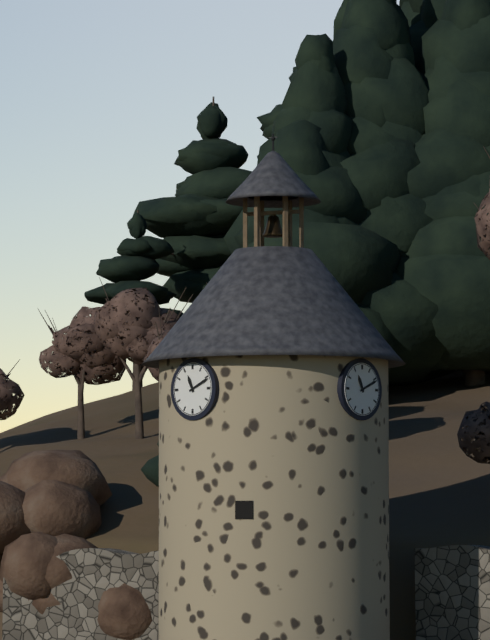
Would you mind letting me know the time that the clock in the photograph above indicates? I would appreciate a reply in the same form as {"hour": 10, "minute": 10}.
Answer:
{"hour": 11, "minute": 11}
